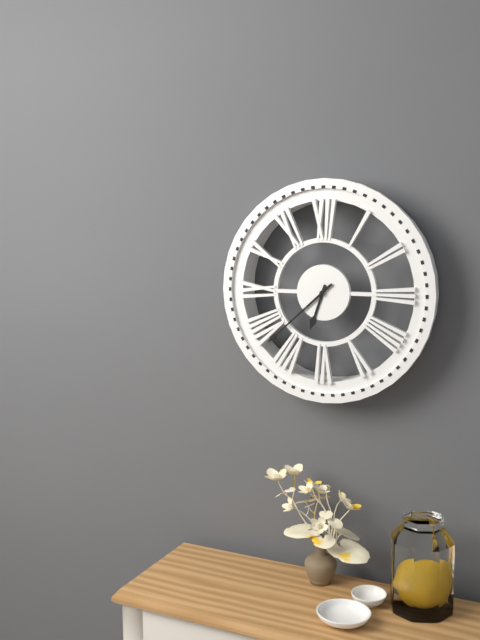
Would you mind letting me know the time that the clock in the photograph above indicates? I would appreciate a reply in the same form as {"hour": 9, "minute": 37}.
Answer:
{"hour": 6, "minute": 38}
